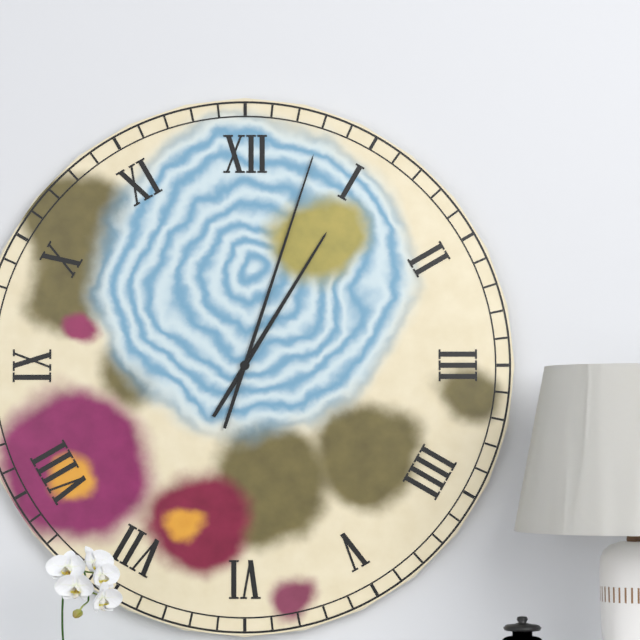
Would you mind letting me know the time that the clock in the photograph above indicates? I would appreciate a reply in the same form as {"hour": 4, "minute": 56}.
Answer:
{"hour": 1, "minute": 3}
